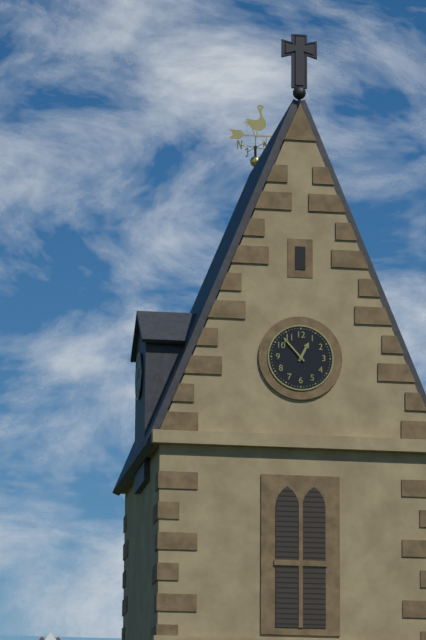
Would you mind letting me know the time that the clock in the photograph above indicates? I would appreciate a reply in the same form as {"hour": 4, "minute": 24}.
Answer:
{"hour": 12, "minute": 53}
